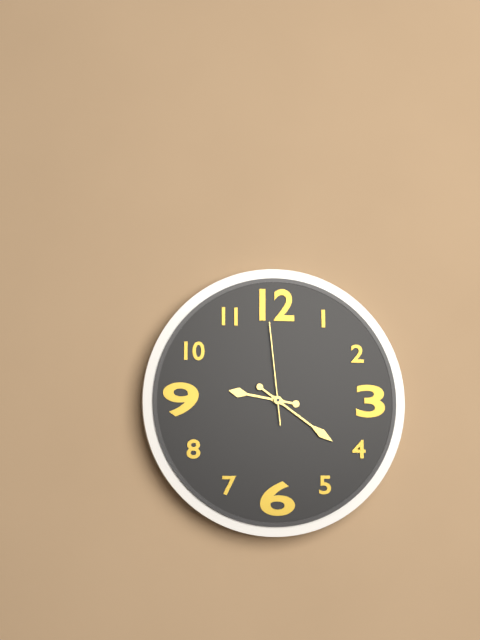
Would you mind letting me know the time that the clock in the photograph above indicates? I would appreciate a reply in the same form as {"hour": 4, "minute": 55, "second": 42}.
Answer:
{"hour": 9, "minute": 21, "second": 59}
